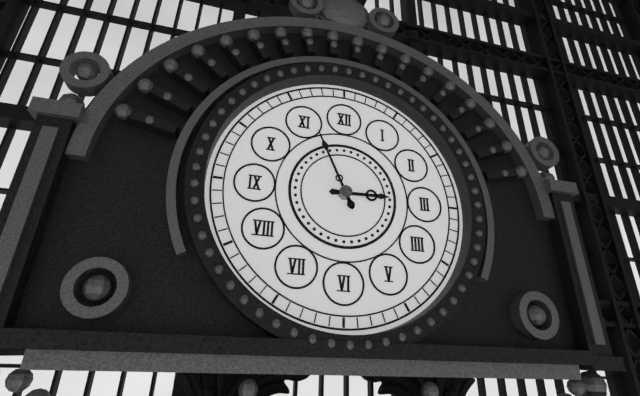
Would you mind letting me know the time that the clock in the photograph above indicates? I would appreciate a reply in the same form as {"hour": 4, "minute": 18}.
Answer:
{"hour": 2, "minute": 56}
